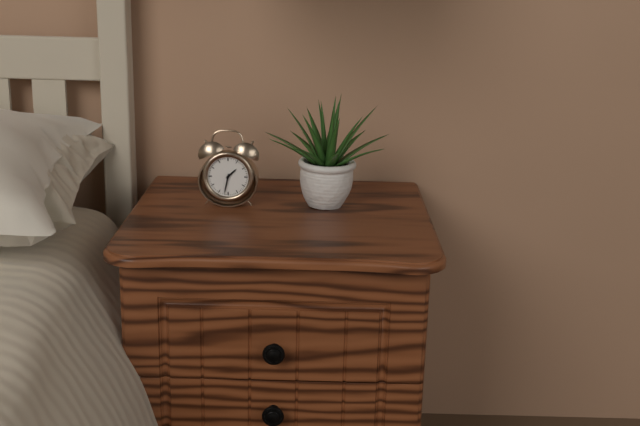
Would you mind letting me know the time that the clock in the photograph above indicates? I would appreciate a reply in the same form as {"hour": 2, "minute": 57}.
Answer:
{"hour": 1, "minute": 32}
